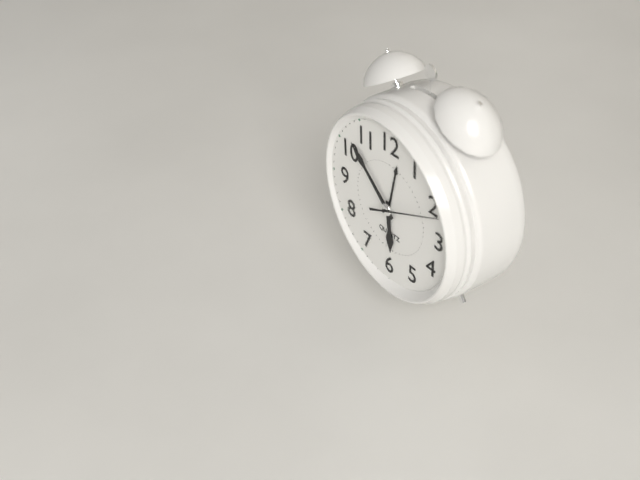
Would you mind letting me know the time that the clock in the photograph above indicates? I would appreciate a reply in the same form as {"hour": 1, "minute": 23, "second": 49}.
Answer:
{"hour": 5, "minute": 52, "second": 11}
